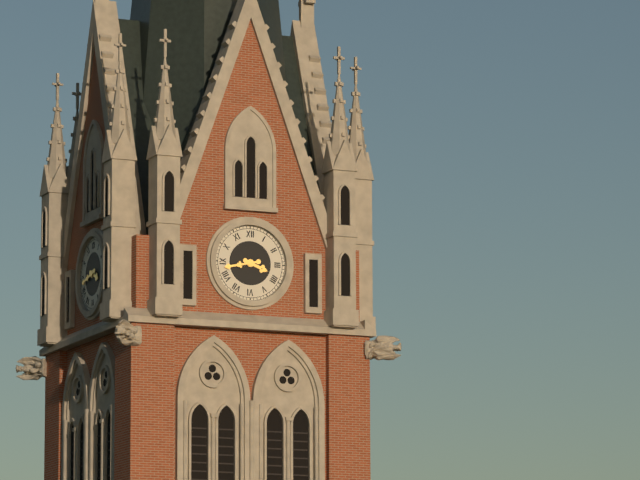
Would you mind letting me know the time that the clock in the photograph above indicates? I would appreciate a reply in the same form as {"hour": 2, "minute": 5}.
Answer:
{"hour": 3, "minute": 43}
